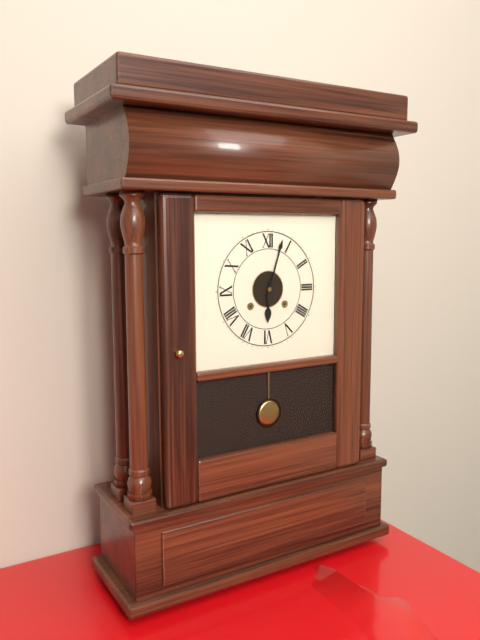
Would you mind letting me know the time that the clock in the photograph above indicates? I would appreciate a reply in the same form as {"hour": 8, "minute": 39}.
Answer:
{"hour": 6, "minute": 3}
